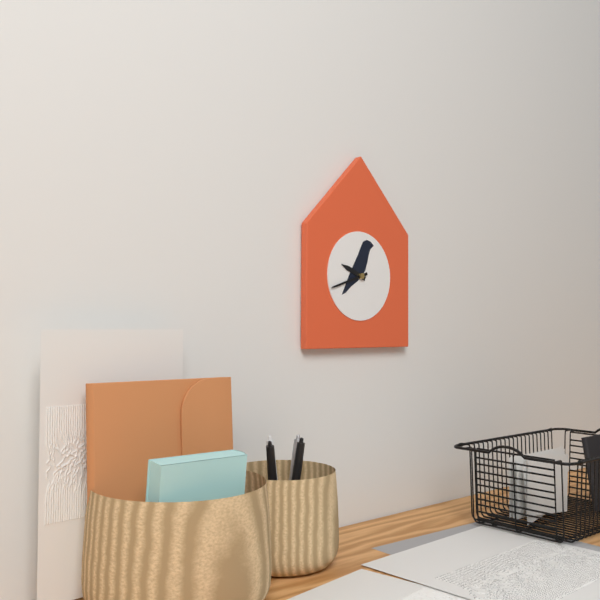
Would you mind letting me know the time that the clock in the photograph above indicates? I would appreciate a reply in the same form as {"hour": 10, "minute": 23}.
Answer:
{"hour": 9, "minute": 42}
